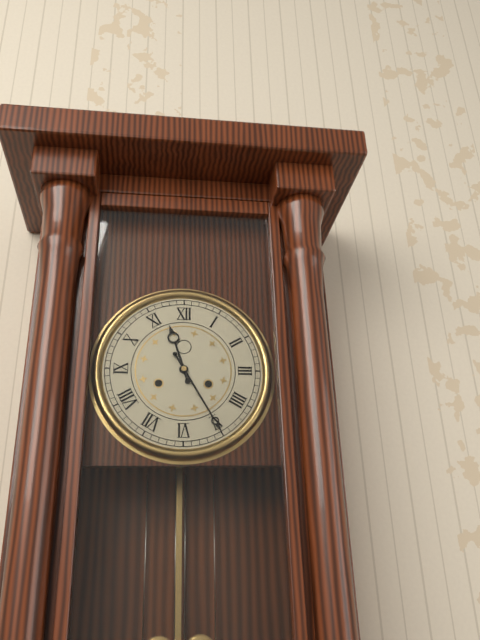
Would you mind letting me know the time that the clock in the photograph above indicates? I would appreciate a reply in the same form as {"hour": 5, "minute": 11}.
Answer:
{"hour": 11, "minute": 25}
